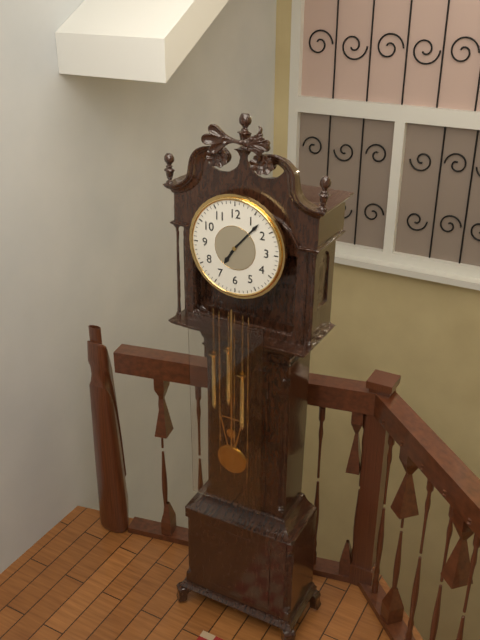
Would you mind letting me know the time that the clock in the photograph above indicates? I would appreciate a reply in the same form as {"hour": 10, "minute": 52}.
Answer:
{"hour": 7, "minute": 7}
